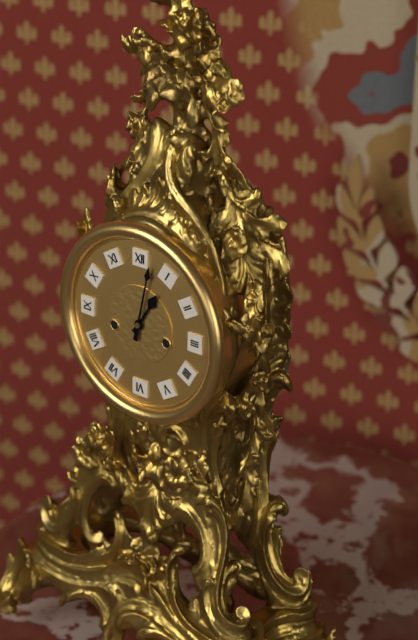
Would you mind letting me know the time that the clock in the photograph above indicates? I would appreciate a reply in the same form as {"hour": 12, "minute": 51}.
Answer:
{"hour": 1, "minute": 2}
